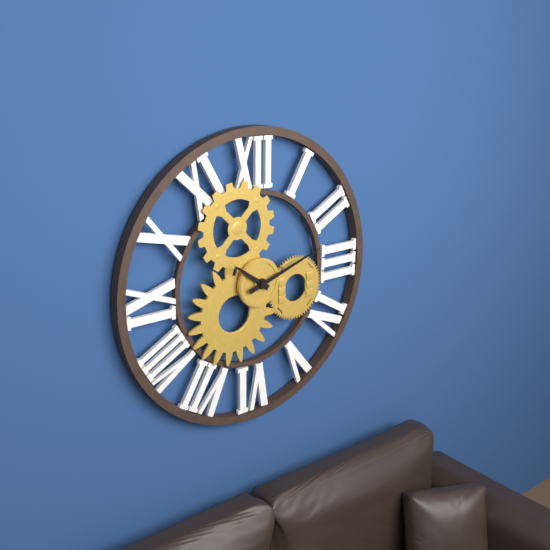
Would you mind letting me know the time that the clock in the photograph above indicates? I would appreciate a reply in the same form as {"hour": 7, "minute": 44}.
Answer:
{"hour": 10, "minute": 12}
